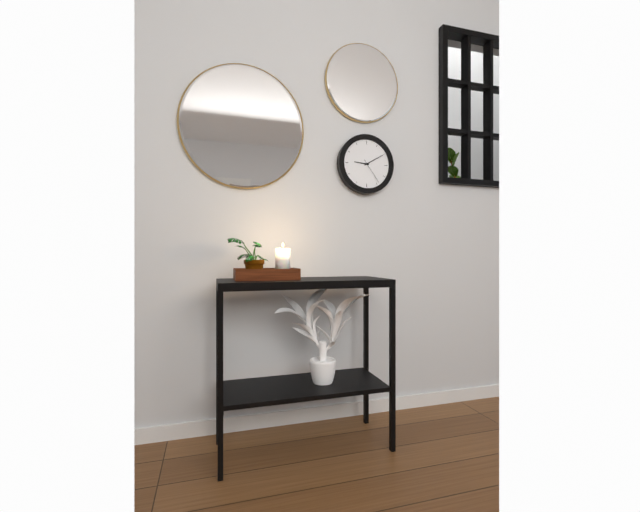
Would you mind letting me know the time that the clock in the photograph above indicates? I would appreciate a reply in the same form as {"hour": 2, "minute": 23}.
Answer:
{"hour": 9, "minute": 10}
